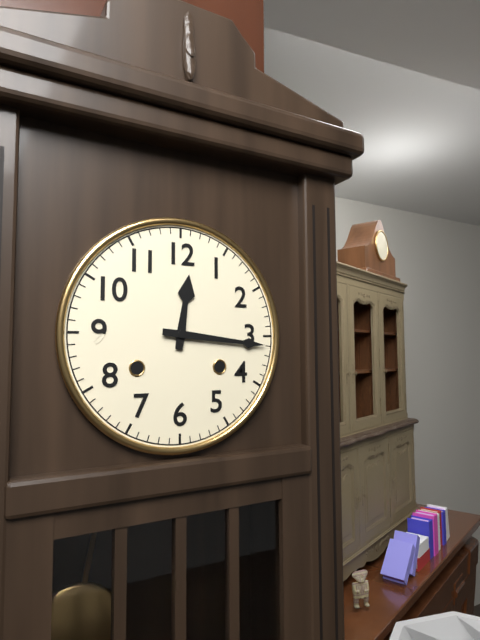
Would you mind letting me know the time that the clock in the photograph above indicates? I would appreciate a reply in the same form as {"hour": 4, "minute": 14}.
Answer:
{"hour": 12, "minute": 16}
